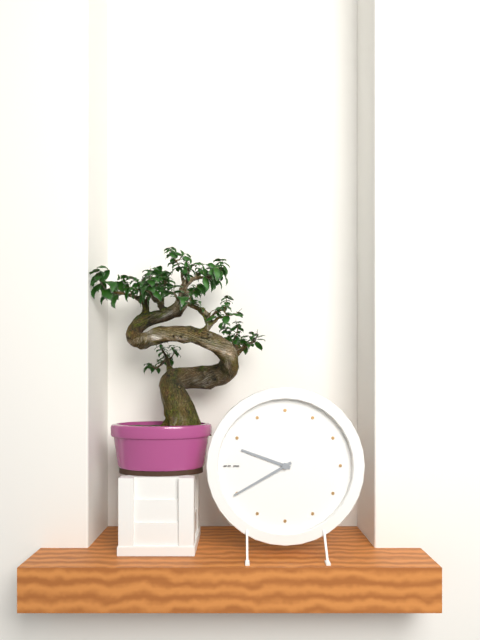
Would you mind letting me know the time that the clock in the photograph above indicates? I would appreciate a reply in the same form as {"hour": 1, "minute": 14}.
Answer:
{"hour": 9, "minute": 40}
